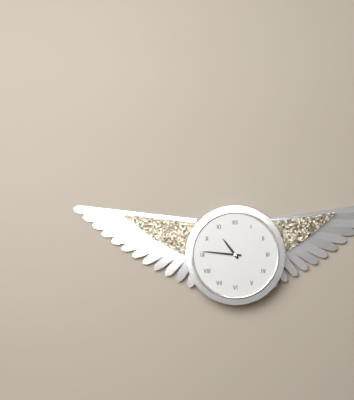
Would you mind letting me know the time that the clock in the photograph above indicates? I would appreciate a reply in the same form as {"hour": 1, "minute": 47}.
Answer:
{"hour": 10, "minute": 46}
